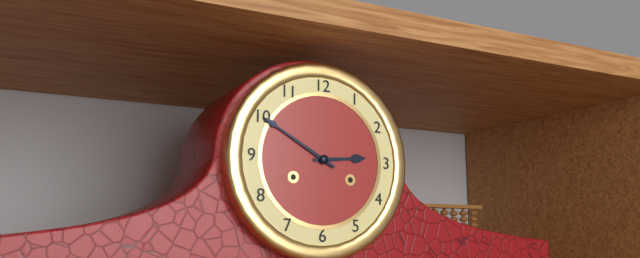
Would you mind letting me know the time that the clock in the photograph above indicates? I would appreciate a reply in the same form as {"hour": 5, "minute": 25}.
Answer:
{"hour": 2, "minute": 50}
